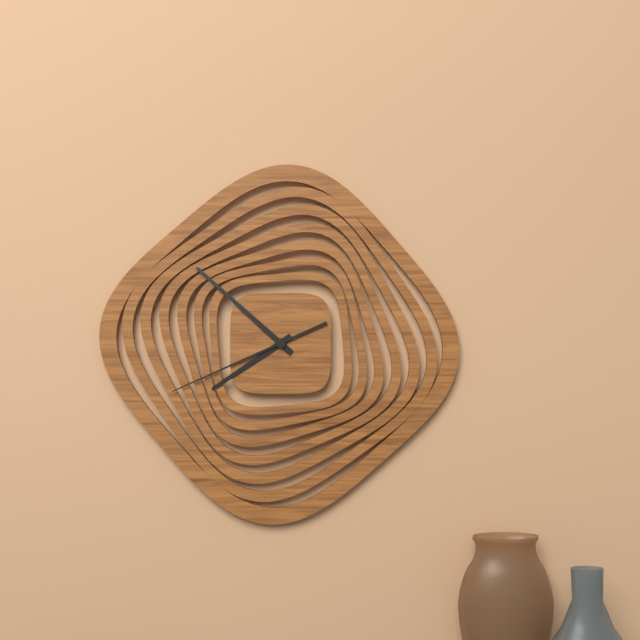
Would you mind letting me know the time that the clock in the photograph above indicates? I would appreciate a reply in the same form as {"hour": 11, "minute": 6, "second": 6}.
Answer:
{"hour": 7, "minute": 52, "second": 41}
